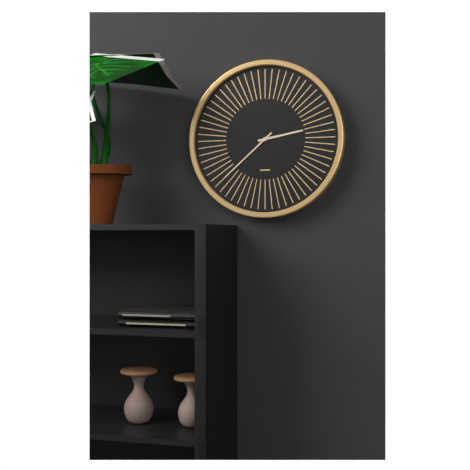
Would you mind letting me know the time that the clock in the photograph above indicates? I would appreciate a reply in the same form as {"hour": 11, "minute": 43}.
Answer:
{"hour": 2, "minute": 38}
